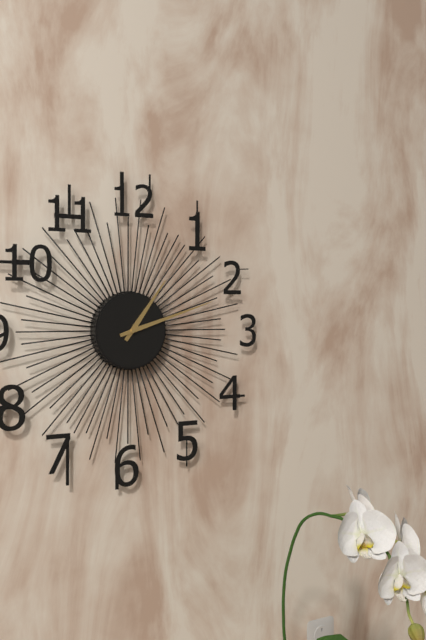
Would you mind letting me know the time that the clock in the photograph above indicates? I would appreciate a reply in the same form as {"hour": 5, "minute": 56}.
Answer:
{"hour": 1, "minute": 12}
